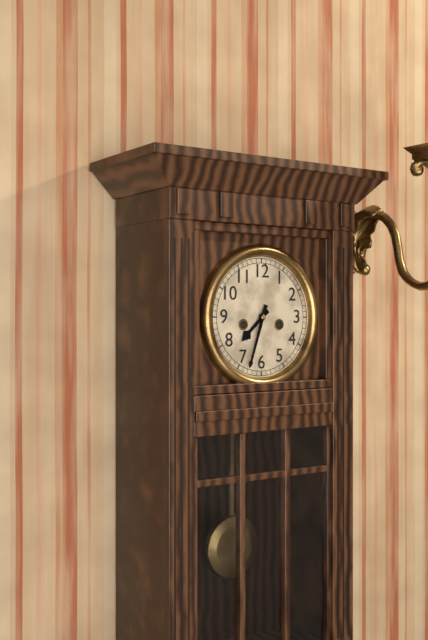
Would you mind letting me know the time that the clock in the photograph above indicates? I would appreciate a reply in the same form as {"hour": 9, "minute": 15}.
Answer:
{"hour": 7, "minute": 33}
